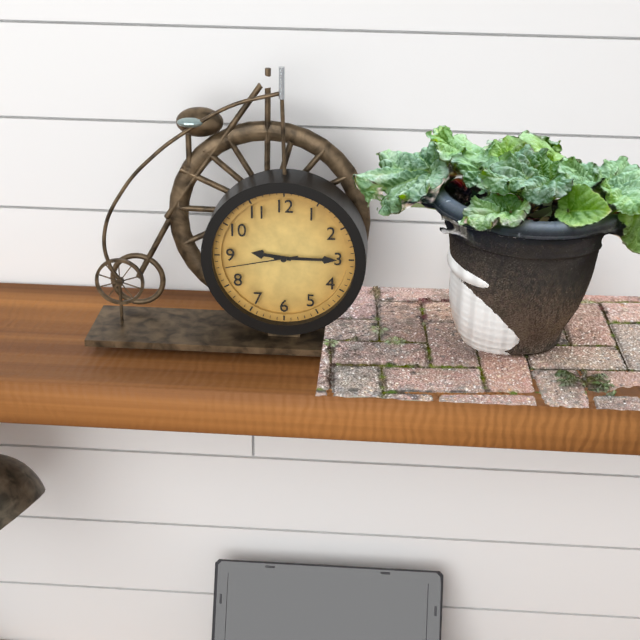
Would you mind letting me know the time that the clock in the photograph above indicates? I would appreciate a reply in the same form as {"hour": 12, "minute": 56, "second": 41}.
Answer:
{"hour": 9, "minute": 15, "second": 43}
